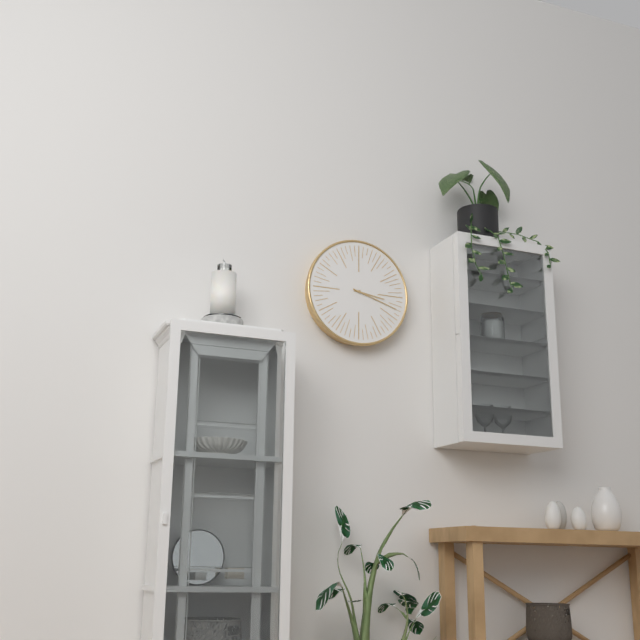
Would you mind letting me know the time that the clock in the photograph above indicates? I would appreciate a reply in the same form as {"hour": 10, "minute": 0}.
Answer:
{"hour": 3, "minute": 18}
